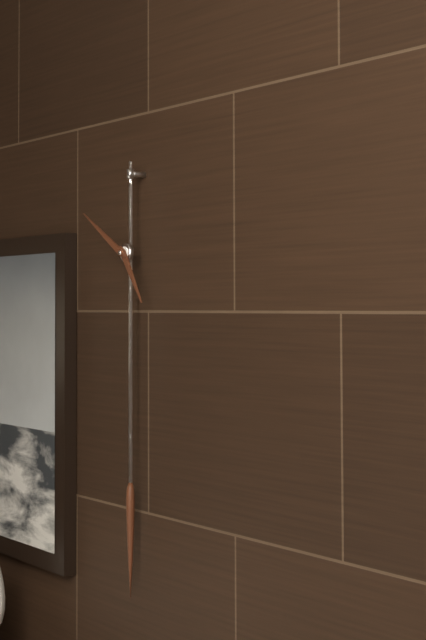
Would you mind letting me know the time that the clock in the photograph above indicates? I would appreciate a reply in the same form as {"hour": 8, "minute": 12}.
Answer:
{"hour": 4, "minute": 50}
